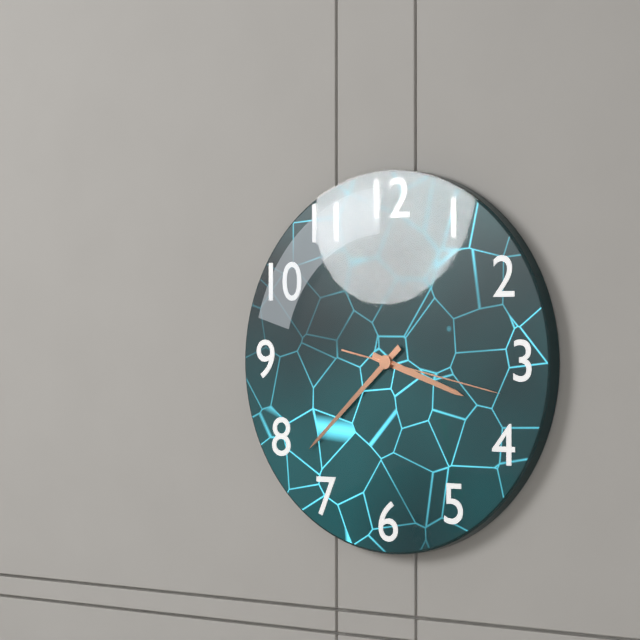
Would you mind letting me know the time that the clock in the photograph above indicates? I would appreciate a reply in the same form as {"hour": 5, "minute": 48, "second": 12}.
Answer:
{"hour": 3, "minute": 38, "second": 17}
